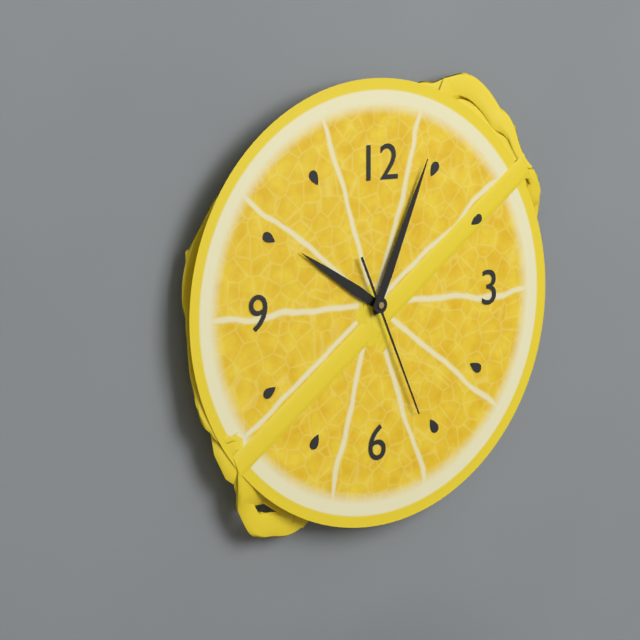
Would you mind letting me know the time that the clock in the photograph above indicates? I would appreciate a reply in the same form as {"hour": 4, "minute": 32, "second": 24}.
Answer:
{"hour": 10, "minute": 4, "second": 26}
